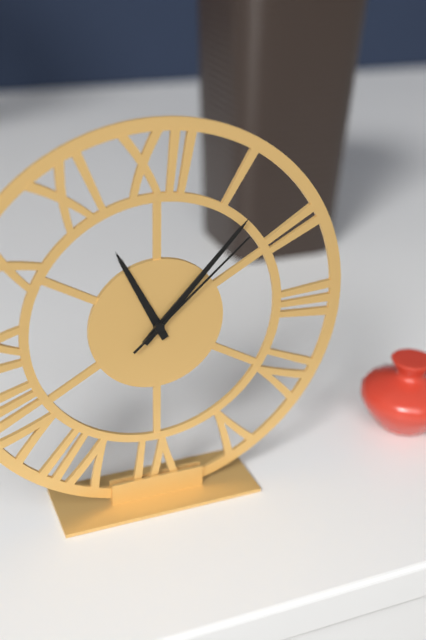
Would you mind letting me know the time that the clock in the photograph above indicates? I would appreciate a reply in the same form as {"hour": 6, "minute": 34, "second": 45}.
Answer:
{"hour": 11, "minute": 7, "second": 8}
